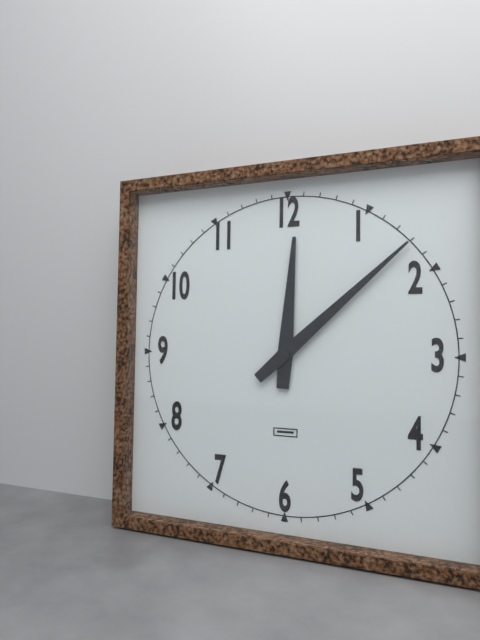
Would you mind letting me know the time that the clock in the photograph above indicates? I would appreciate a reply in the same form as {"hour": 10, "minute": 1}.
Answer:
{"hour": 12, "minute": 8}
